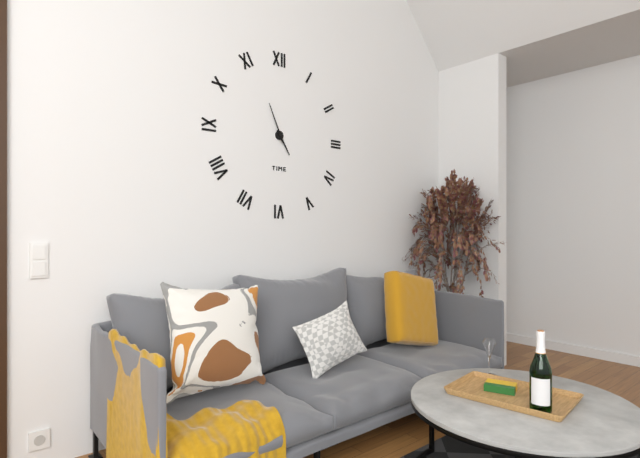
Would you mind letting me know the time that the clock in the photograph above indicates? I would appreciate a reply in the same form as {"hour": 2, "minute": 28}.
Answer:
{"hour": 4, "minute": 56}
